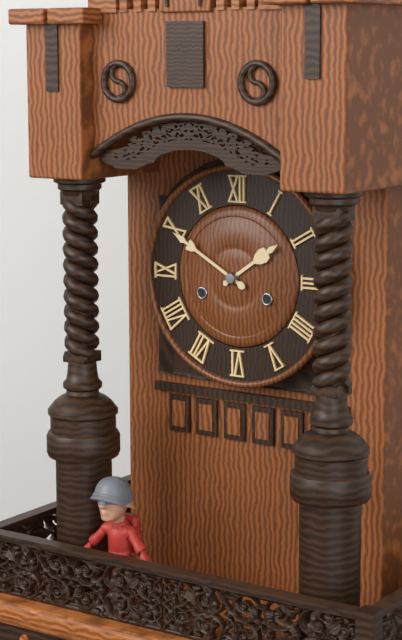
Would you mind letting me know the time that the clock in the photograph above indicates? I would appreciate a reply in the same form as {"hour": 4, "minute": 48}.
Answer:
{"hour": 1, "minute": 50}
